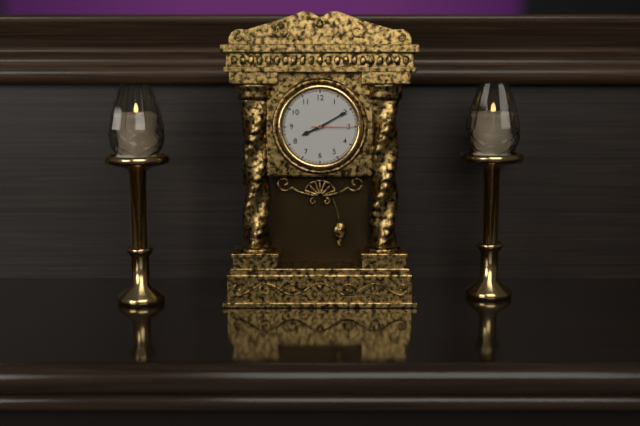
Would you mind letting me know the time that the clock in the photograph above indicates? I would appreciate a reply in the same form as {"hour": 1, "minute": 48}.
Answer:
{"hour": 8, "minute": 10}
